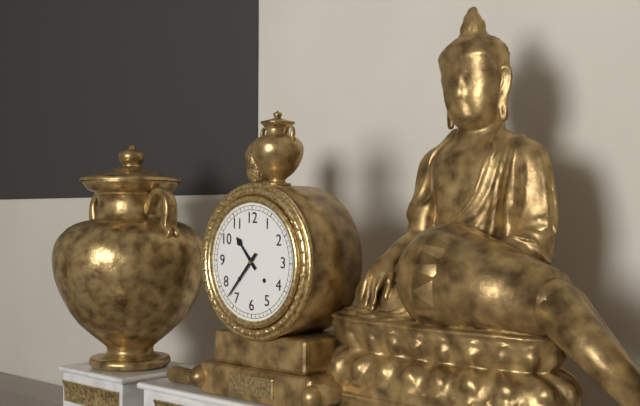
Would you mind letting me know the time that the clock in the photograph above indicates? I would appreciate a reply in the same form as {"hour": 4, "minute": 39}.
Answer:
{"hour": 10, "minute": 37}
